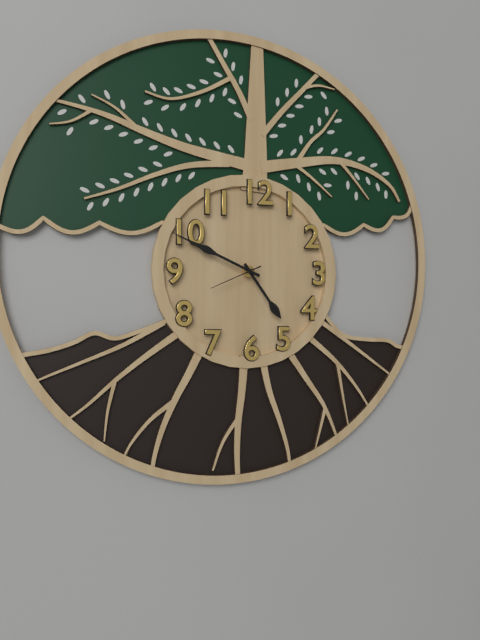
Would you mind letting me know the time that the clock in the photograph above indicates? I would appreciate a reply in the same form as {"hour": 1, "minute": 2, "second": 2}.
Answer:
{"hour": 4, "minute": 49, "second": 41}
